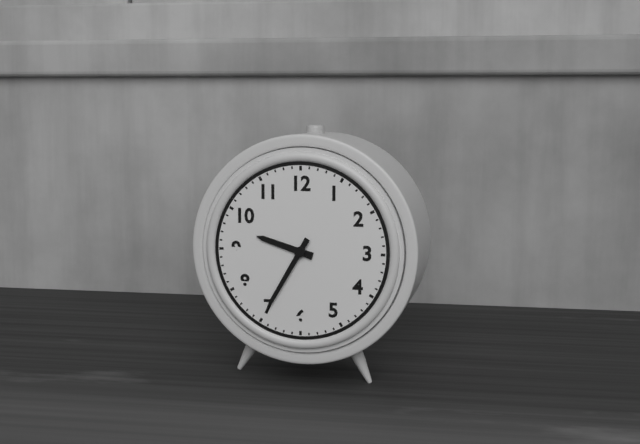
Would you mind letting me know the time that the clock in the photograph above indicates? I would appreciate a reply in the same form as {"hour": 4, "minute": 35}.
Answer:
{"hour": 9, "minute": 35}
